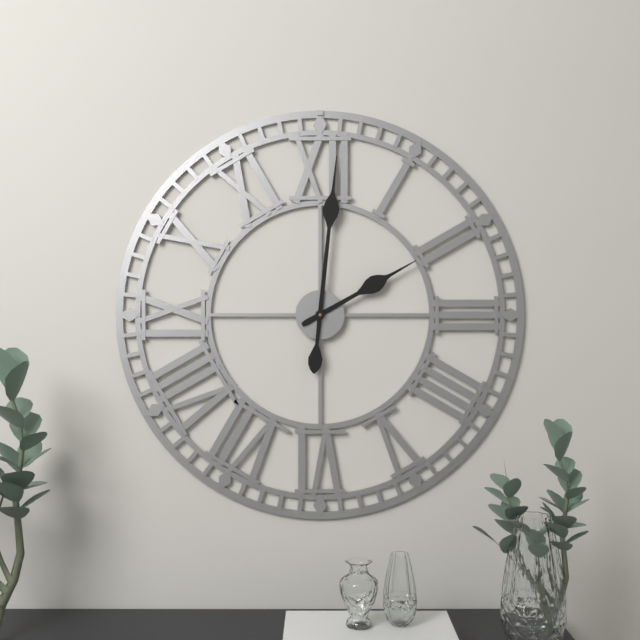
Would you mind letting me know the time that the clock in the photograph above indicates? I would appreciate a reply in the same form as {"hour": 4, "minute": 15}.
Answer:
{"hour": 2, "minute": 1}
